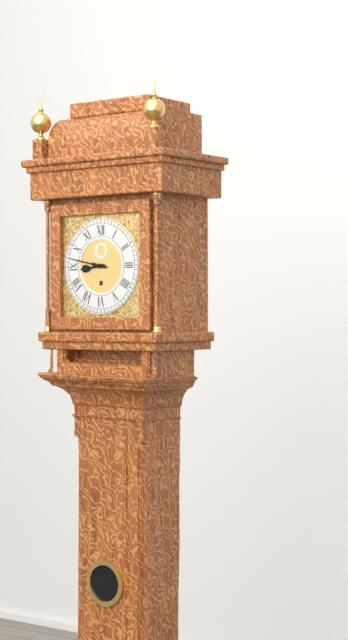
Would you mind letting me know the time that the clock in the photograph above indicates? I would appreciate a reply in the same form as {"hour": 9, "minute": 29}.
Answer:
{"hour": 8, "minute": 47}
